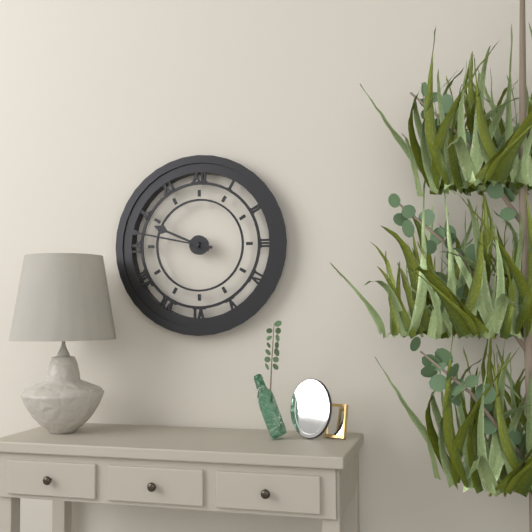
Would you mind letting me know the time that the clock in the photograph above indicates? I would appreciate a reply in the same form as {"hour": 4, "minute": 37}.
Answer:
{"hour": 9, "minute": 47}
